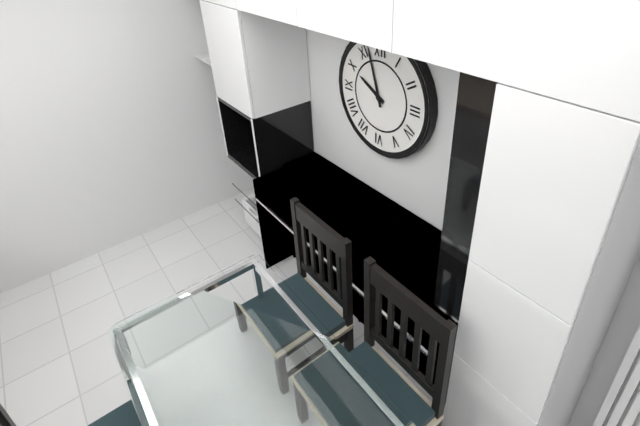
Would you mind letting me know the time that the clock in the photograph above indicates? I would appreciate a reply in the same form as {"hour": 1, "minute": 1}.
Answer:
{"hour": 9, "minute": 57}
